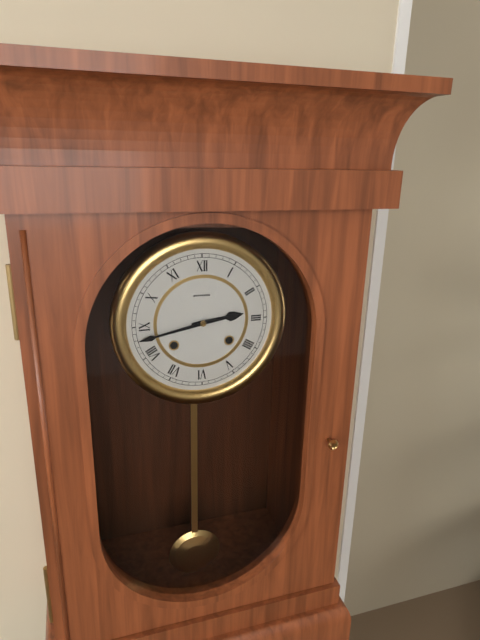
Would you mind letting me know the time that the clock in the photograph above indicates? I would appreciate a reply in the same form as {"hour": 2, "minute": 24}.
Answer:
{"hour": 2, "minute": 43}
